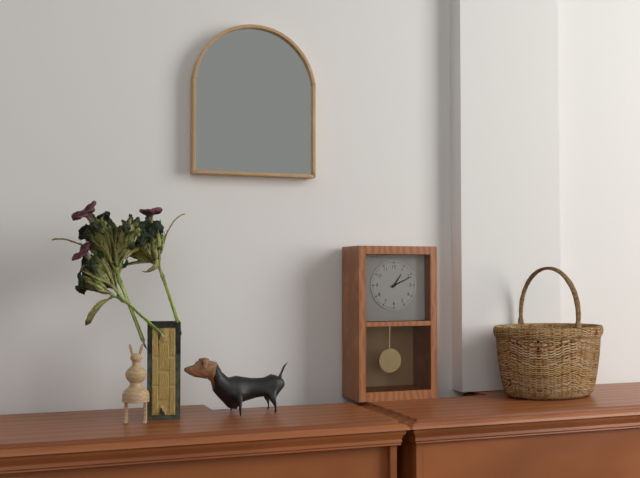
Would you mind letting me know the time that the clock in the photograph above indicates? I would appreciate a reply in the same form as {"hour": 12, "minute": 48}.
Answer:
{"hour": 1, "minute": 11}
